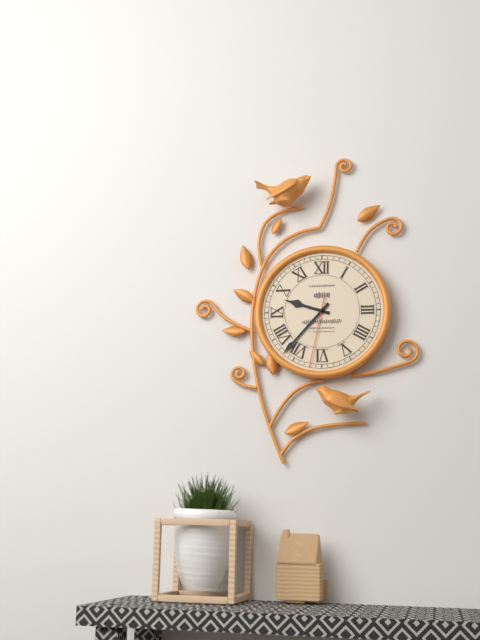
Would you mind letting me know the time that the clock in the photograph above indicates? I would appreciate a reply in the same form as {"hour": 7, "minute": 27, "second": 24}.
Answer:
{"hour": 9, "minute": 37, "second": 32}
